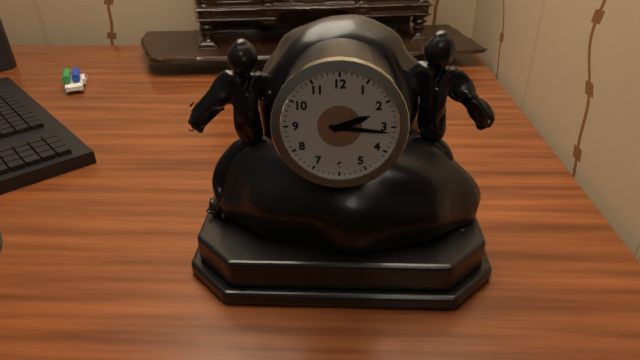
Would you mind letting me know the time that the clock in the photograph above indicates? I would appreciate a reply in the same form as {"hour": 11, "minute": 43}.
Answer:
{"hour": 2, "minute": 16}
